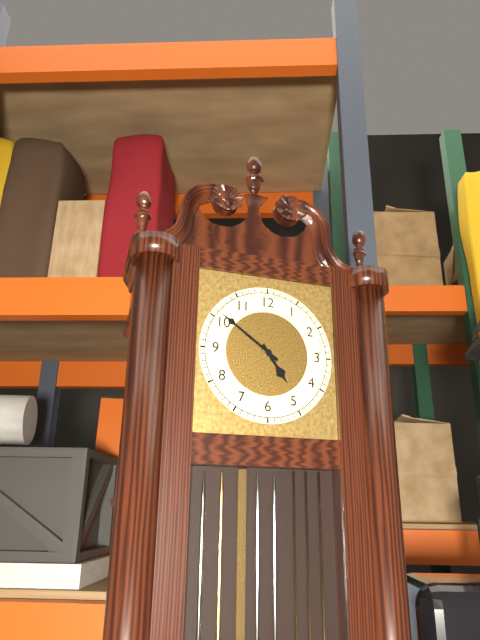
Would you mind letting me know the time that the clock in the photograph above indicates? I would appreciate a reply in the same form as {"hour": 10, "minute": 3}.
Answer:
{"hour": 4, "minute": 51}
